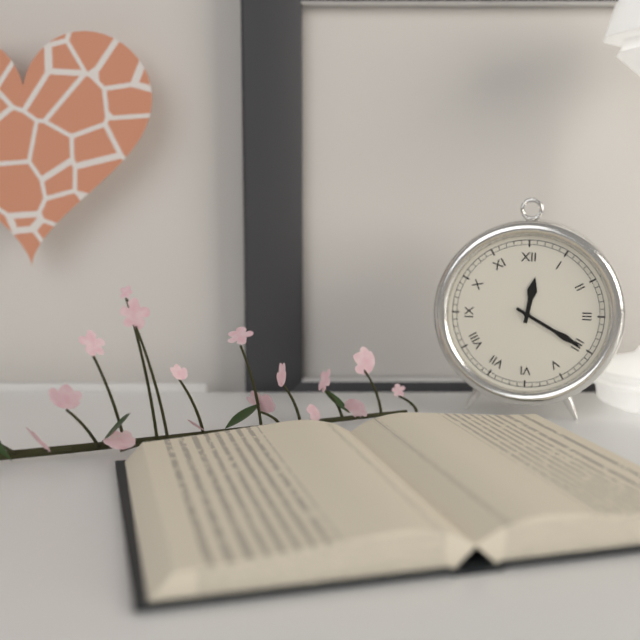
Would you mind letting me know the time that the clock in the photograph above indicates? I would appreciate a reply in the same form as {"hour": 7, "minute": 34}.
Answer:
{"hour": 12, "minute": 20}
